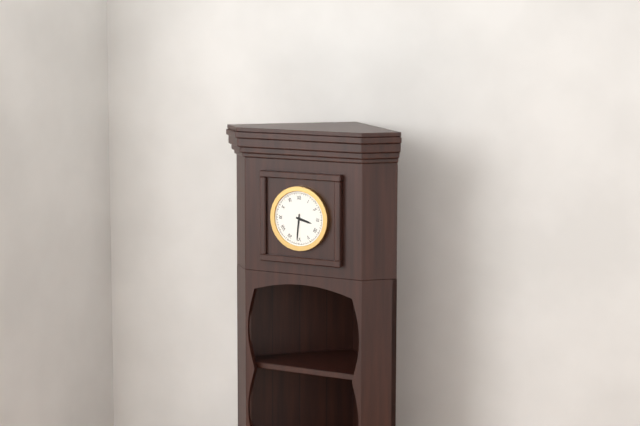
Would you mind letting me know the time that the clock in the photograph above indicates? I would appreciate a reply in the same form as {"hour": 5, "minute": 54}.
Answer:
{"hour": 3, "minute": 31}
